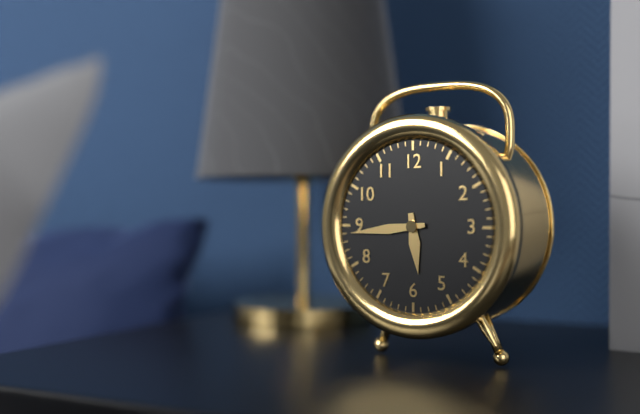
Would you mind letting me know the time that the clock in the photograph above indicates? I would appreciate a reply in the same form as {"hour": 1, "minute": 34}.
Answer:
{"hour": 5, "minute": 44}
